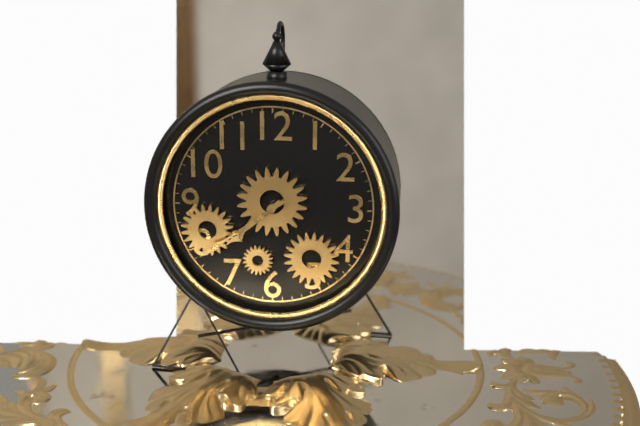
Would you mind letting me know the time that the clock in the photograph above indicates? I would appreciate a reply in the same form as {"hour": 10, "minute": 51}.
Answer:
{"hour": 7, "minute": 39}
